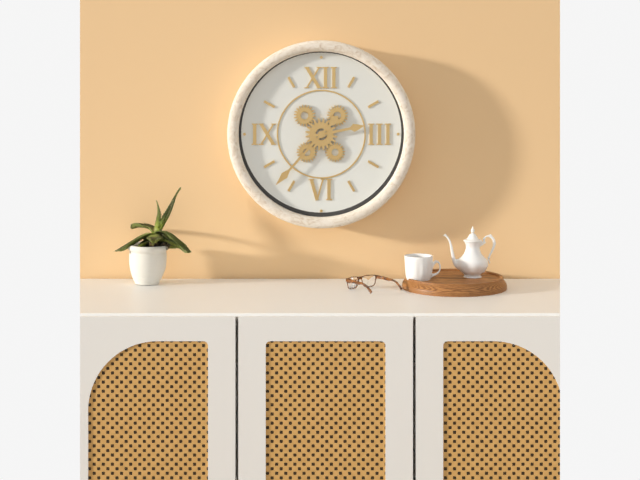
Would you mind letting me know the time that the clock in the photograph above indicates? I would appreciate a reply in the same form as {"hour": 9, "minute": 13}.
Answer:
{"hour": 2, "minute": 37}
